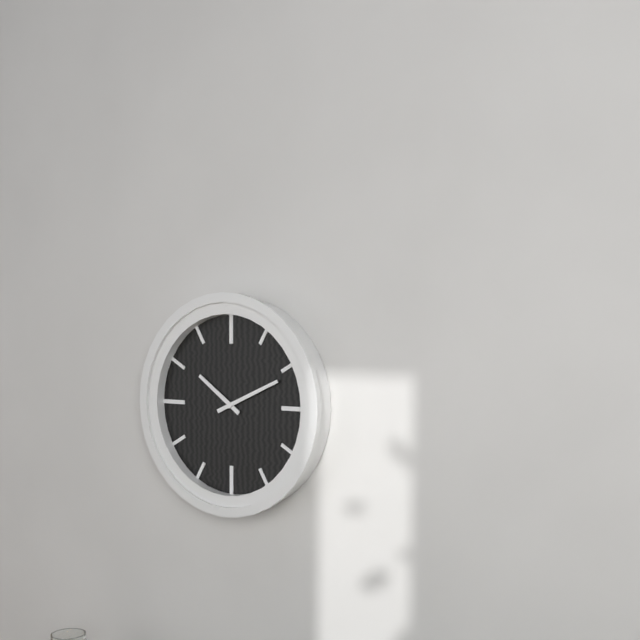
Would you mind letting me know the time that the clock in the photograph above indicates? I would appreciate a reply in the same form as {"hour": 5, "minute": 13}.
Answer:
{"hour": 10, "minute": 11}
